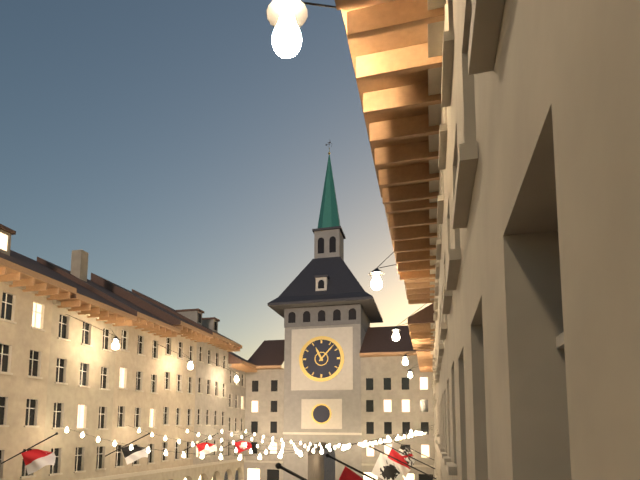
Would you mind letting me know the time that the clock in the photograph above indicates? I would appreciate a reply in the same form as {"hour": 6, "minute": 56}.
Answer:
{"hour": 11, "minute": 7}
